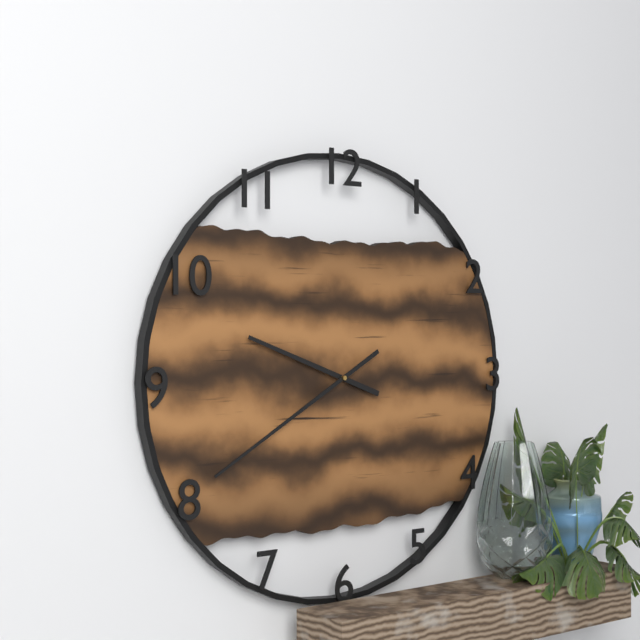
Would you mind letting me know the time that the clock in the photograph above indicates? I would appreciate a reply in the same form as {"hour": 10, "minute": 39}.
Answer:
{"hour": 9, "minute": 40}
